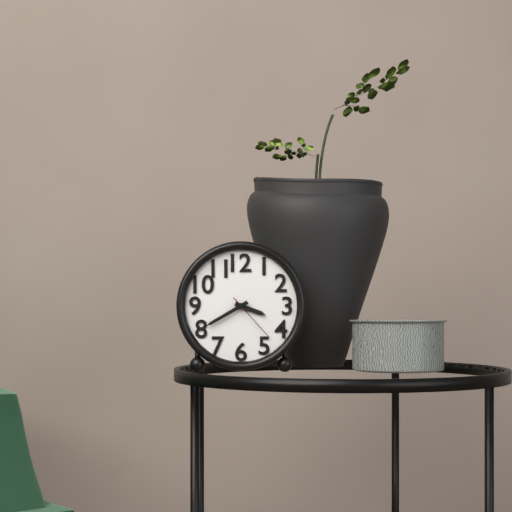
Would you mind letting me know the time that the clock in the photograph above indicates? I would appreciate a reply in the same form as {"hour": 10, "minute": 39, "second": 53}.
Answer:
{"hour": 3, "minute": 40, "second": 23}
